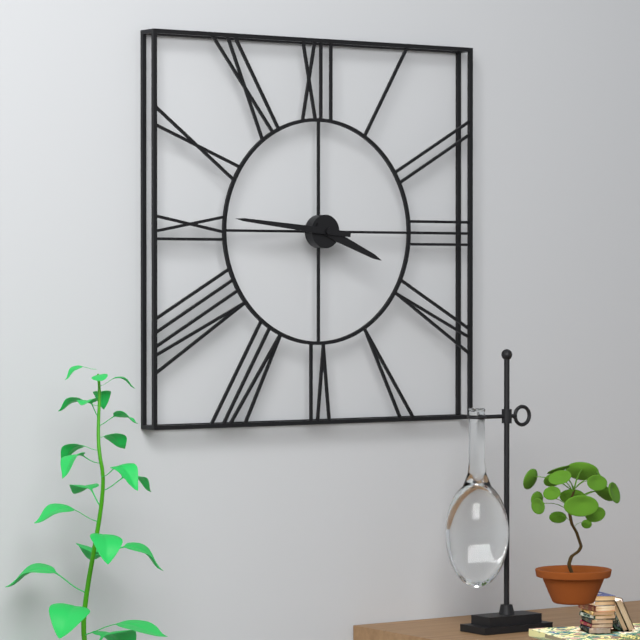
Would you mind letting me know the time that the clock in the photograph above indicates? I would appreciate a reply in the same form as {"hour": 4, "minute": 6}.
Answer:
{"hour": 3, "minute": 46}
